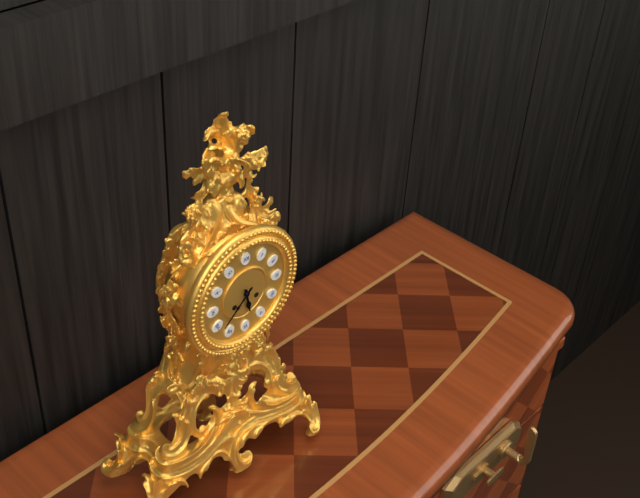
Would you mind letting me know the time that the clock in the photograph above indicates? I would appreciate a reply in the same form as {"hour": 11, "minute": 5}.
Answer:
{"hour": 5, "minute": 38}
